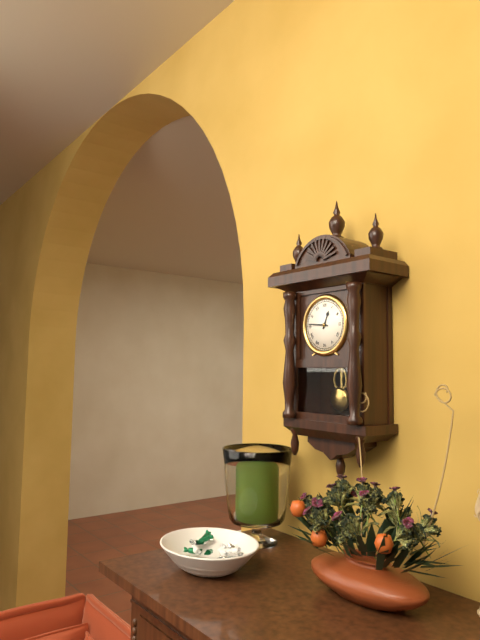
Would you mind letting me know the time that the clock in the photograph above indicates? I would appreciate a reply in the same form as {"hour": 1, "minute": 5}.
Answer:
{"hour": 12, "minute": 46}
